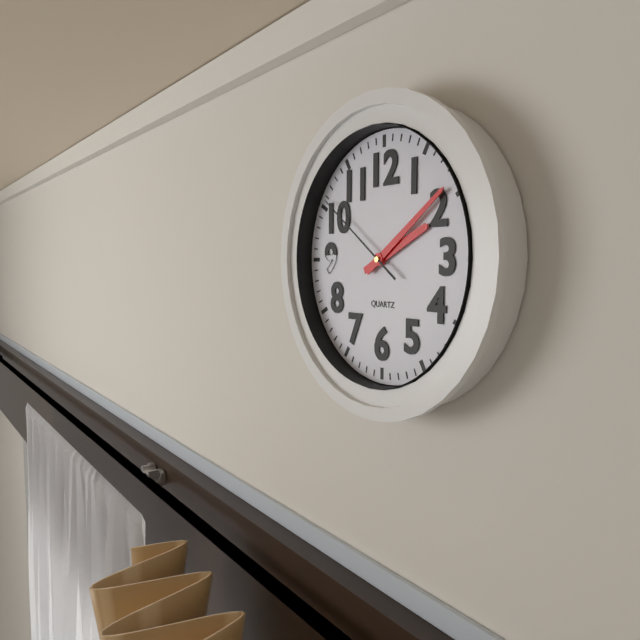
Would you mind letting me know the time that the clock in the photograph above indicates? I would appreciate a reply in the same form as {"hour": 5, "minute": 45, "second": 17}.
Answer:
{"hour": 2, "minute": 9, "second": 51}
